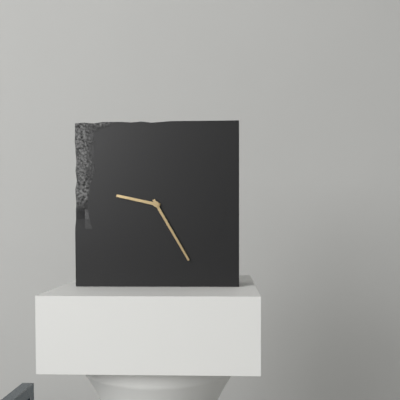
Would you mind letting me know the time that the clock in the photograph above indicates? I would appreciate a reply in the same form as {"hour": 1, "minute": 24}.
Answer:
{"hour": 9, "minute": 25}
